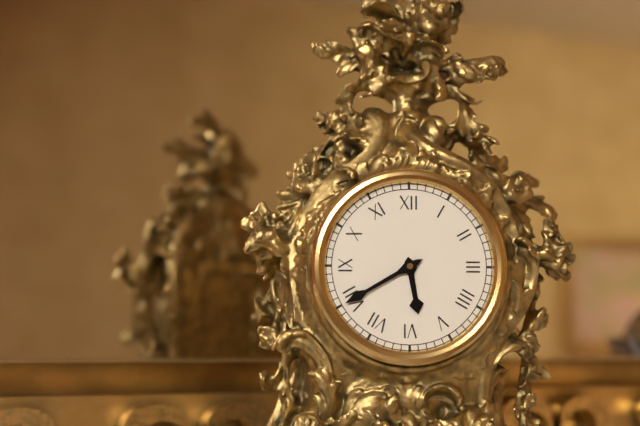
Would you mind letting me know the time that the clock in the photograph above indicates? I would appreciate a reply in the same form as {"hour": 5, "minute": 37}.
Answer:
{"hour": 5, "minute": 40}
